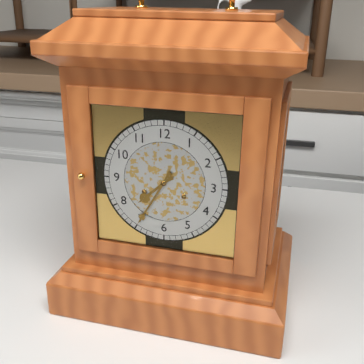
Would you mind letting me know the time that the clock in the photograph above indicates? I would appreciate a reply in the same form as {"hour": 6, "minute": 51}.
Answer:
{"hour": 7, "minute": 35}
